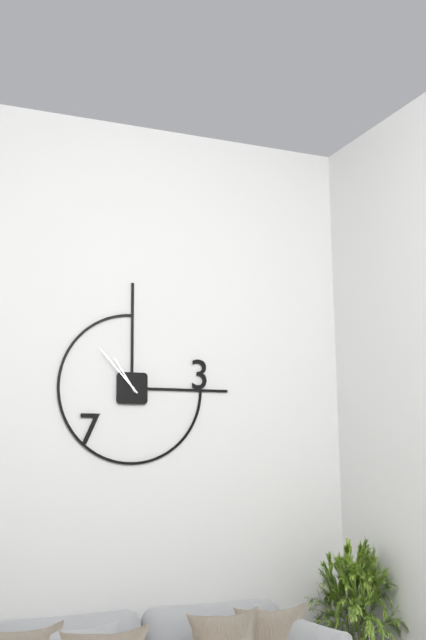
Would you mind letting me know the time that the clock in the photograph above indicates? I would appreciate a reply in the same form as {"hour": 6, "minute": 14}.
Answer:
{"hour": 10, "minute": 53}
